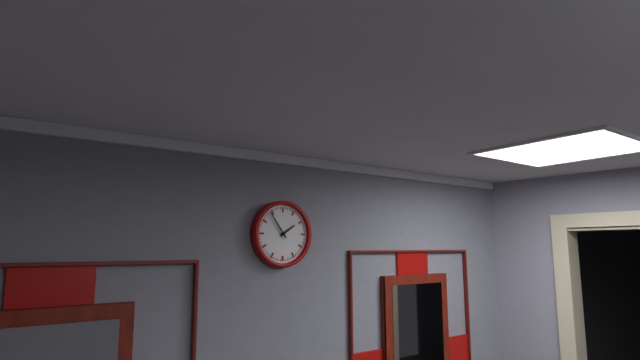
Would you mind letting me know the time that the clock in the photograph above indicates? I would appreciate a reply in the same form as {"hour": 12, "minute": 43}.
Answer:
{"hour": 1, "minute": 54}
